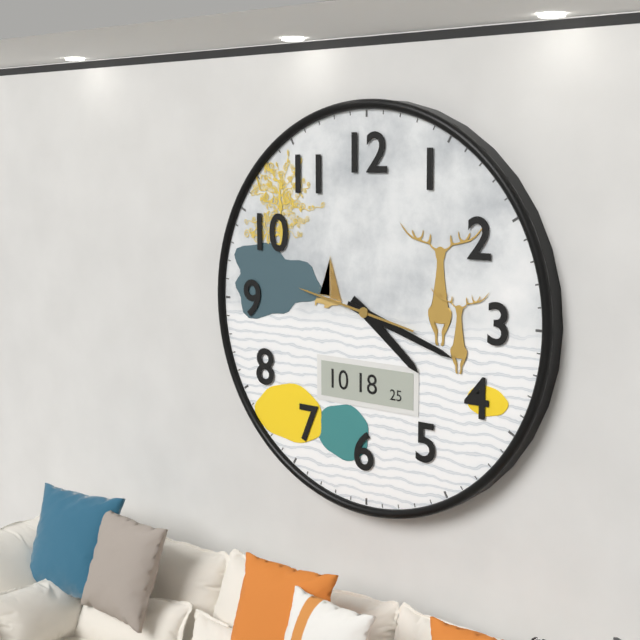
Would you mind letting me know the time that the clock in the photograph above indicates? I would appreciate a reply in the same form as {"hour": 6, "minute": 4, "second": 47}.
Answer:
{"hour": 4, "minute": 18, "second": 47}
